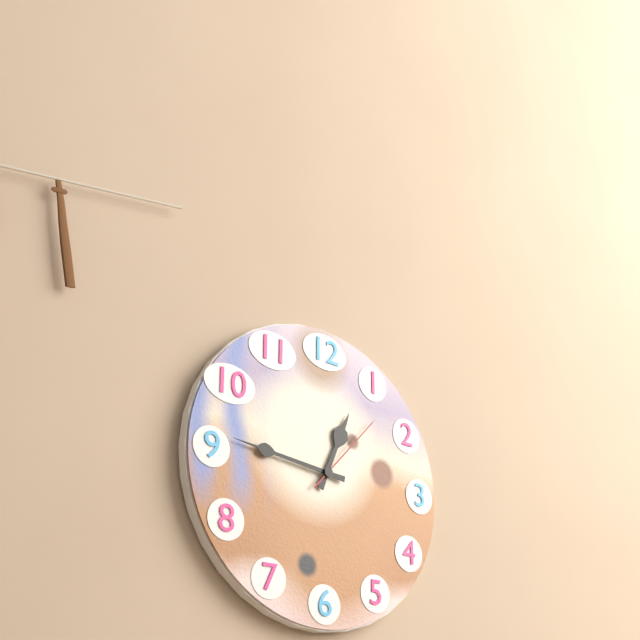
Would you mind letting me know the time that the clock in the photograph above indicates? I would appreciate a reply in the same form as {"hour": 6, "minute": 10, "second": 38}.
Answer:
{"hour": 12, "minute": 46, "second": 7}
